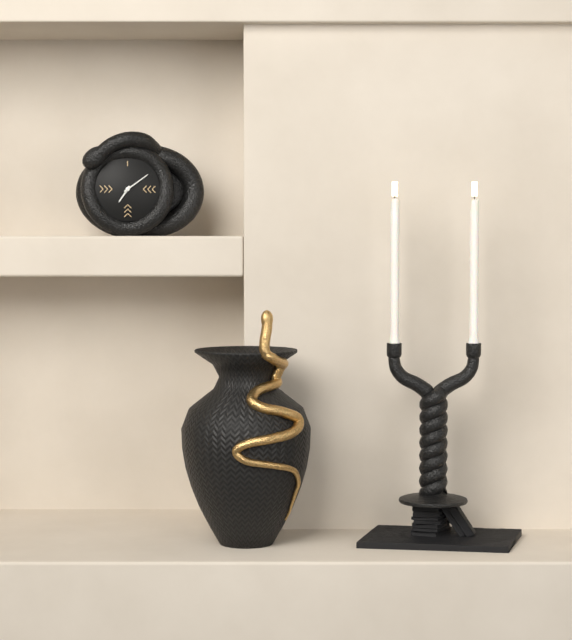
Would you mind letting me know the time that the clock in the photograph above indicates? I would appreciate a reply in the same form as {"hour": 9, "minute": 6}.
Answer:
{"hour": 7, "minute": 9}
